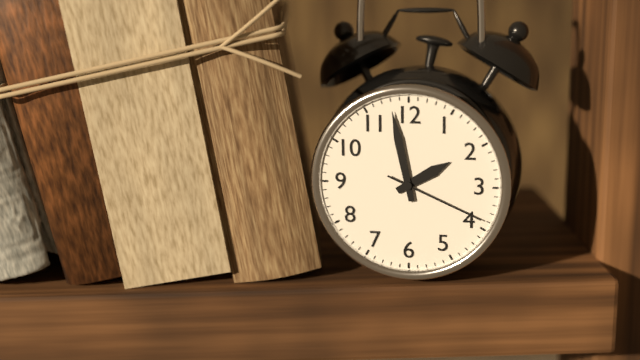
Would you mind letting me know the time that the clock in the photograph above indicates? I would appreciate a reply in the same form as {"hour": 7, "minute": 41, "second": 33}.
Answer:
{"hour": 1, "minute": 58, "second": 19}
